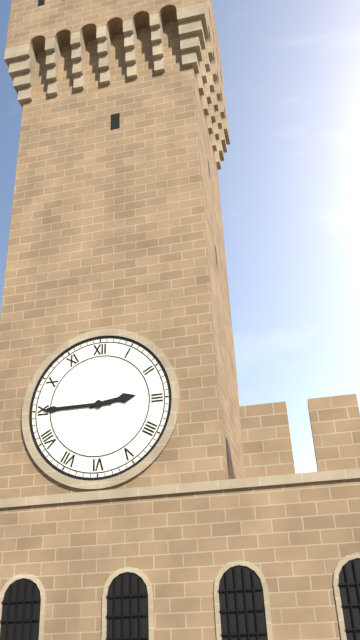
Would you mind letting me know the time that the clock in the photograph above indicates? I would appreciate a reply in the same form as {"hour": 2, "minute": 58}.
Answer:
{"hour": 2, "minute": 45}
